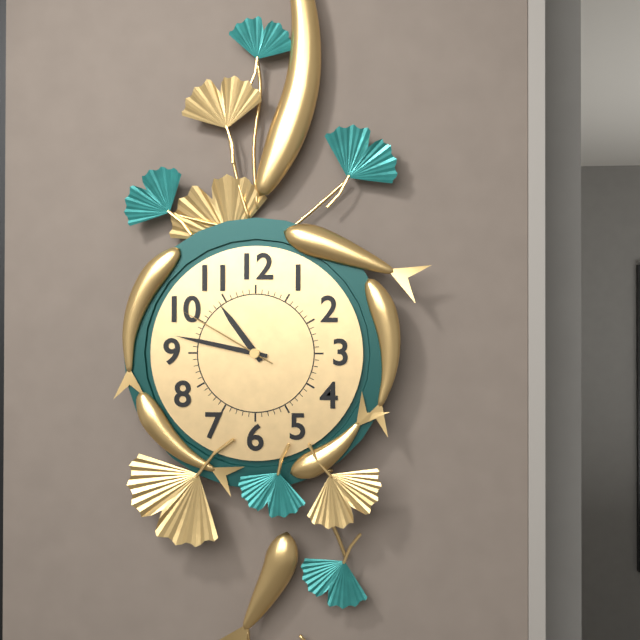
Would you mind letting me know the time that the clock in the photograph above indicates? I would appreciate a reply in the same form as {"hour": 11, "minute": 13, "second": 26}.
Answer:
{"hour": 10, "minute": 47, "second": 50}
